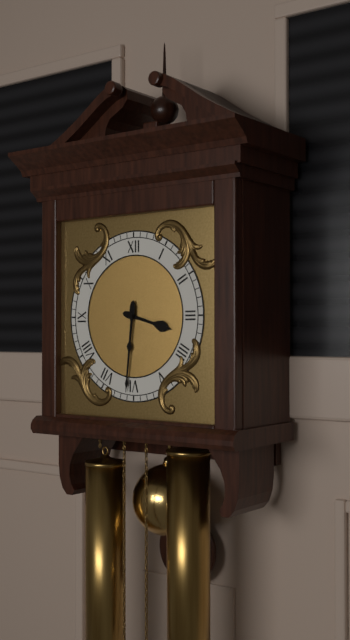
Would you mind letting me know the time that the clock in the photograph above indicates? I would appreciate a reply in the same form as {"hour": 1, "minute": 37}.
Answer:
{"hour": 3, "minute": 31}
